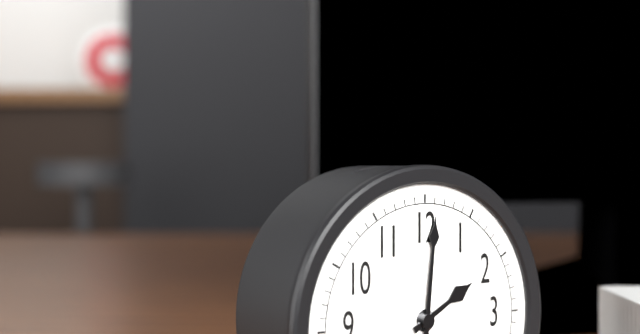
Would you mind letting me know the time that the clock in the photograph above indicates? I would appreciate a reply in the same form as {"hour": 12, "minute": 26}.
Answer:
{"hour": 2, "minute": 1}
